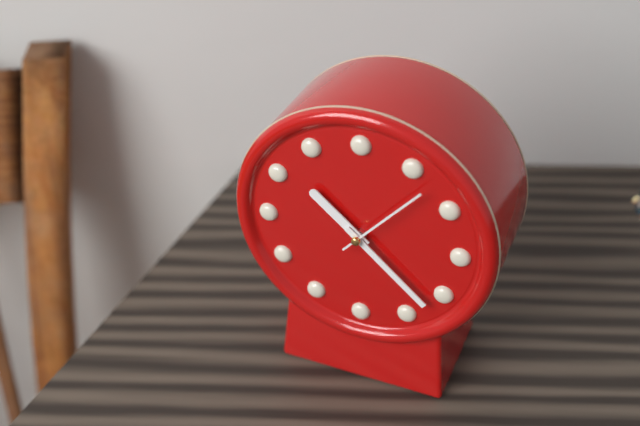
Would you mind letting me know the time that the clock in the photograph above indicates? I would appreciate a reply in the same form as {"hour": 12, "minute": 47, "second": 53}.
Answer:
{"hour": 10, "minute": 22, "second": 7}
